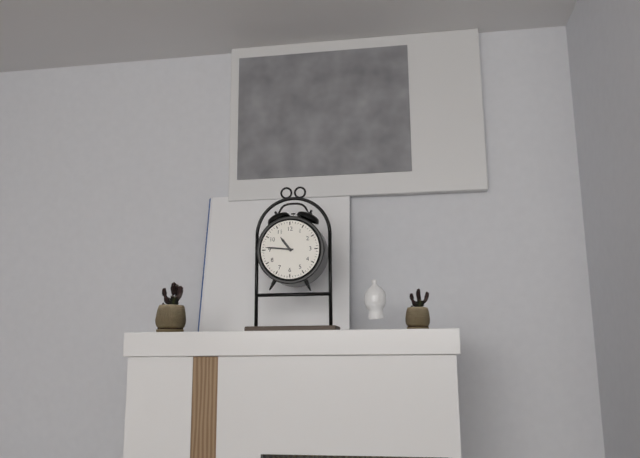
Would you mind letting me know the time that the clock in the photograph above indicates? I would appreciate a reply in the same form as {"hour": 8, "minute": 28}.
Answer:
{"hour": 10, "minute": 46}
